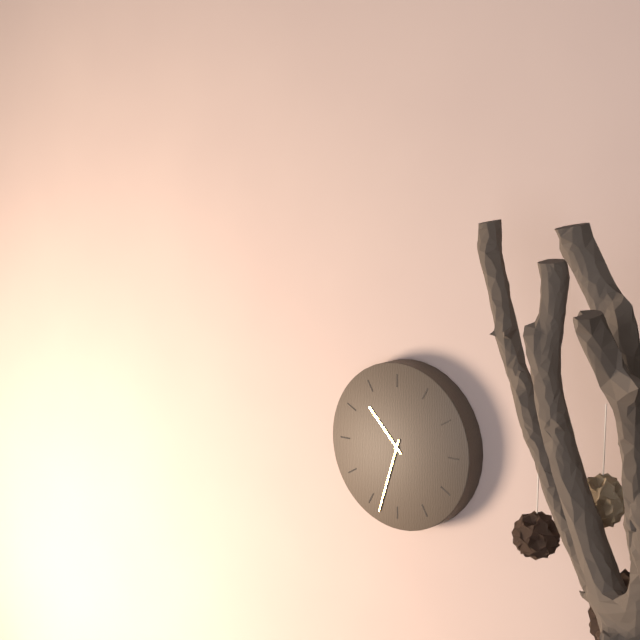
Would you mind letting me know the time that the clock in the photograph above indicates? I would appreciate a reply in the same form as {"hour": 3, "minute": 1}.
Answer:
{"hour": 10, "minute": 33}
